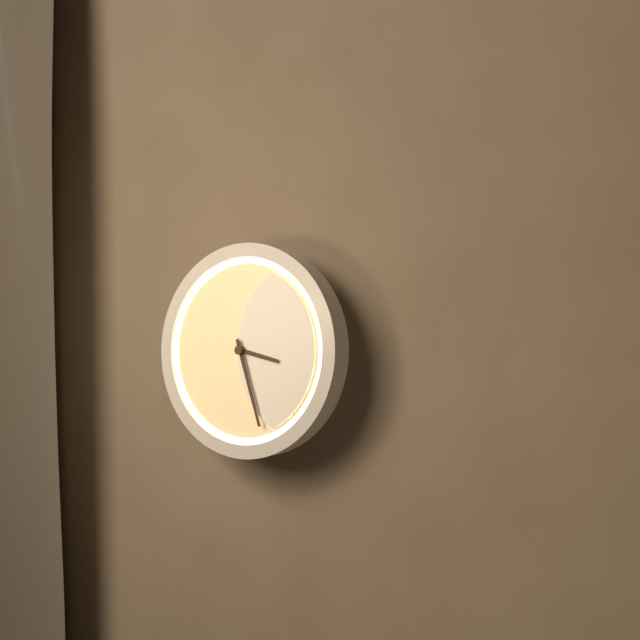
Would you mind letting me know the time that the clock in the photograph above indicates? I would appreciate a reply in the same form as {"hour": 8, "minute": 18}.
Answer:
{"hour": 3, "minute": 27}
